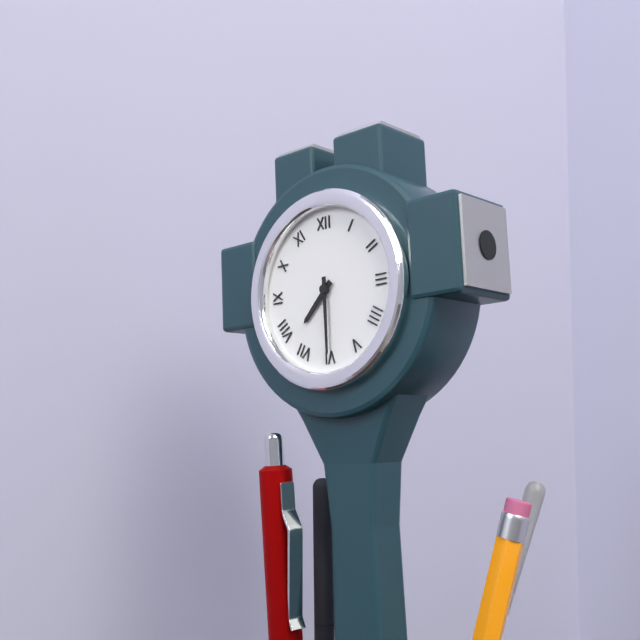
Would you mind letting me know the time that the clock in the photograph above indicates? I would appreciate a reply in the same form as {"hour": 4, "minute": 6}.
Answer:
{"hour": 7, "minute": 30}
